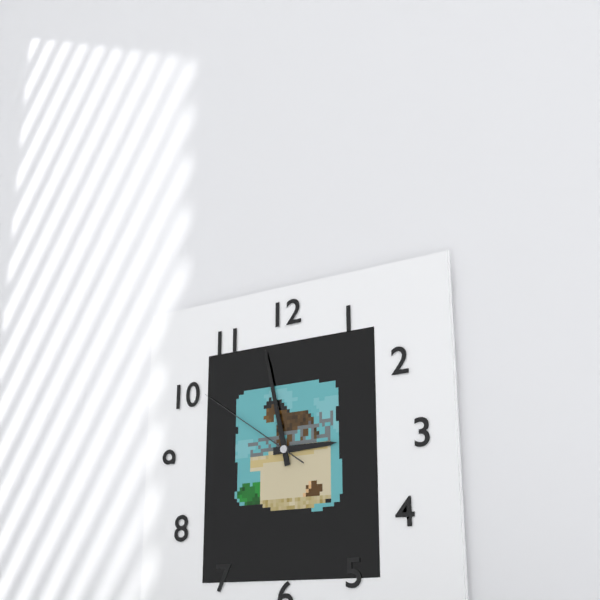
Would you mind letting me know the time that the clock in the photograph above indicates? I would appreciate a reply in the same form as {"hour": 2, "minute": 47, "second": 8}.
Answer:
{"hour": 2, "minute": 58, "second": 51}
